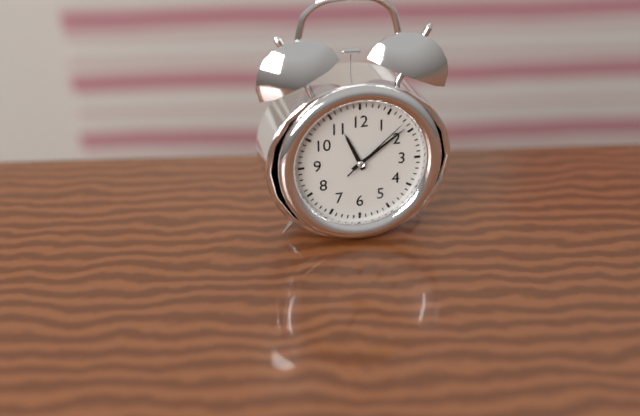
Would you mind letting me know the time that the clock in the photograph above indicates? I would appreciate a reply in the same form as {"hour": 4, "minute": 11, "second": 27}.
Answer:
{"hour": 11, "minute": 9, "second": 8}
